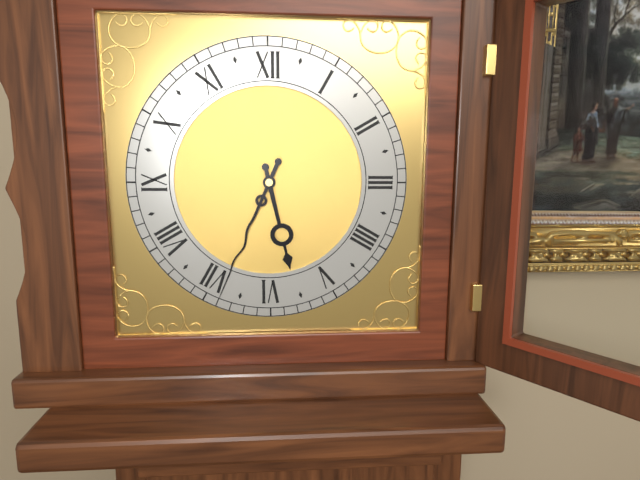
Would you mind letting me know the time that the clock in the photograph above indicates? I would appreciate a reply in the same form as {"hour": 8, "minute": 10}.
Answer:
{"hour": 5, "minute": 34}
